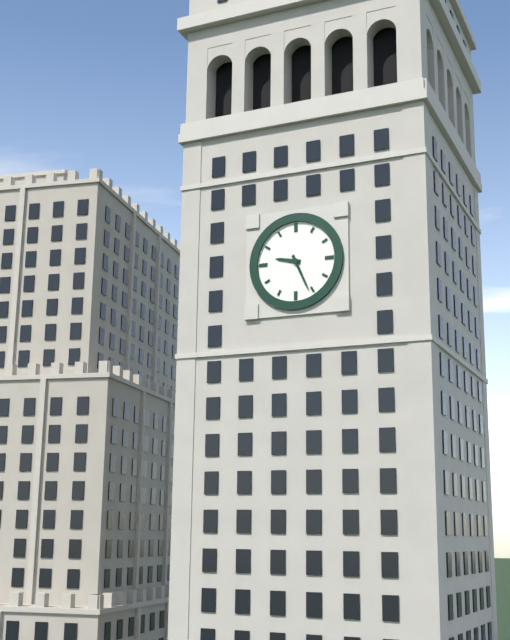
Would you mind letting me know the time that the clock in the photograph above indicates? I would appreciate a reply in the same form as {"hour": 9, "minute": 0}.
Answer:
{"hour": 9, "minute": 26}
